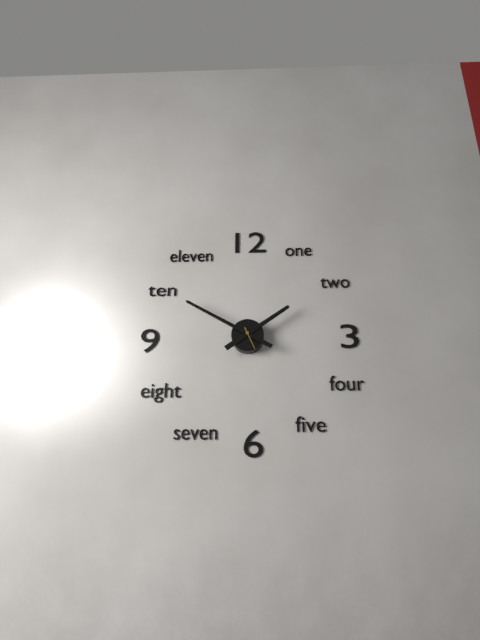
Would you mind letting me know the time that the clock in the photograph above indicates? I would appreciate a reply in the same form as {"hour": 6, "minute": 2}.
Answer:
{"hour": 1, "minute": 50}
